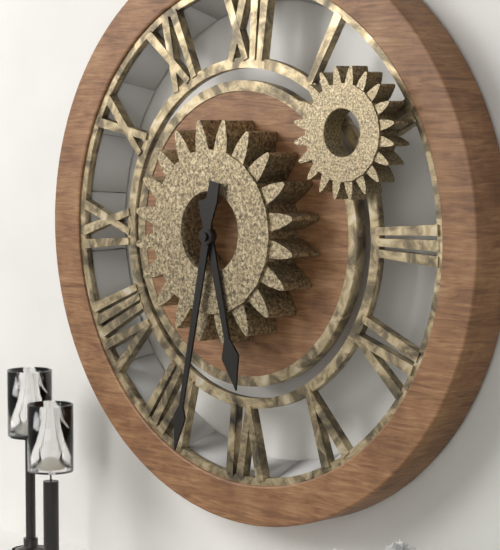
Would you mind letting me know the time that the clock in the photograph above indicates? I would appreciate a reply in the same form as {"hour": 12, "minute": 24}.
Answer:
{"hour": 5, "minute": 32}
